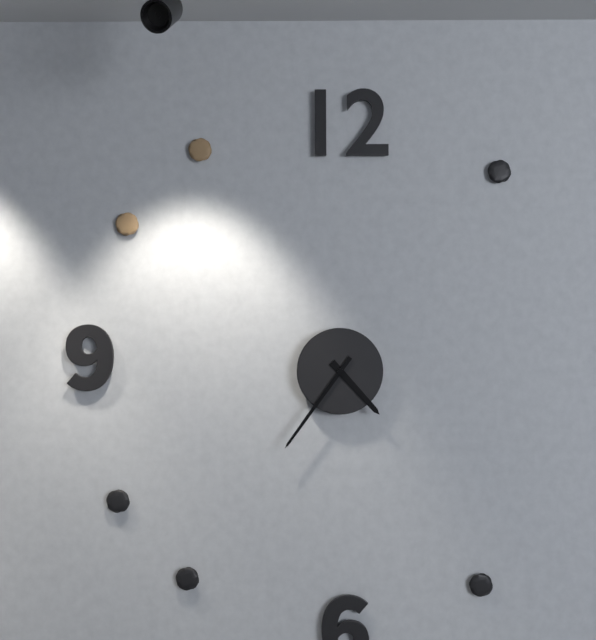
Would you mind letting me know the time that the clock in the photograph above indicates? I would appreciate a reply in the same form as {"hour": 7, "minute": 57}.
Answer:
{"hour": 4, "minute": 36}
